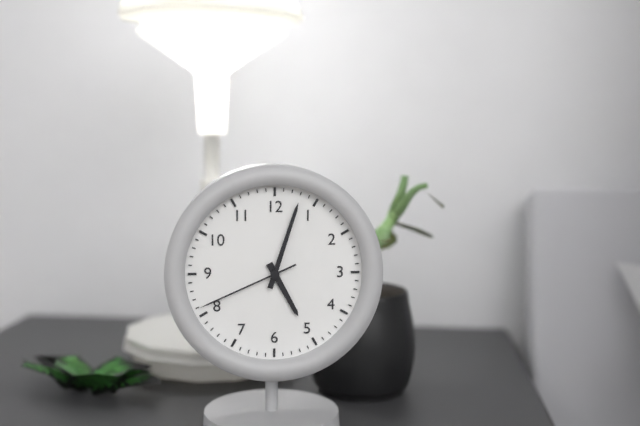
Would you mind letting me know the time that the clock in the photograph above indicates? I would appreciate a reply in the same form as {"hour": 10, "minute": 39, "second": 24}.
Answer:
{"hour": 5, "minute": 3, "second": 41}
